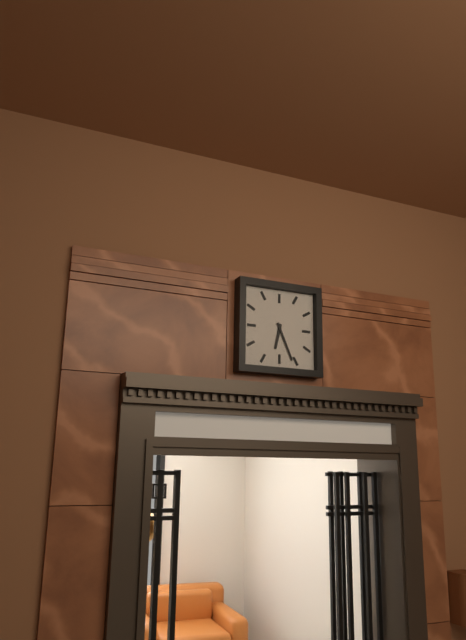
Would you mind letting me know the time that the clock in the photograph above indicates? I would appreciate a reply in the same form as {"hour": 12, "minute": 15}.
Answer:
{"hour": 6, "minute": 26}
